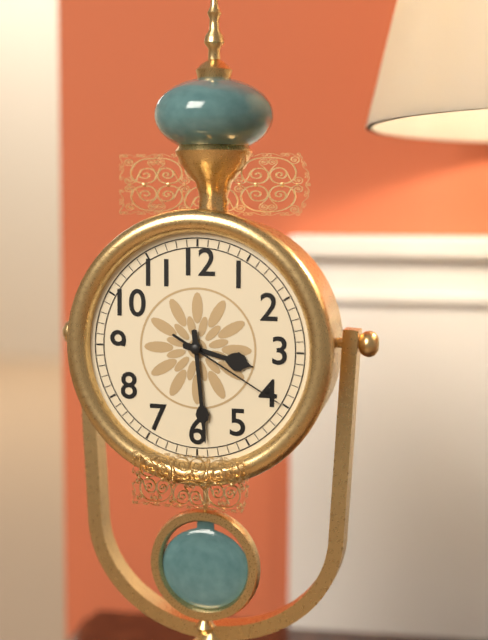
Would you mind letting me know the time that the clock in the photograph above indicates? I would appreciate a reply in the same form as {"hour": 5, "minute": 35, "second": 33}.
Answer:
{"hour": 3, "minute": 29, "second": 20}
